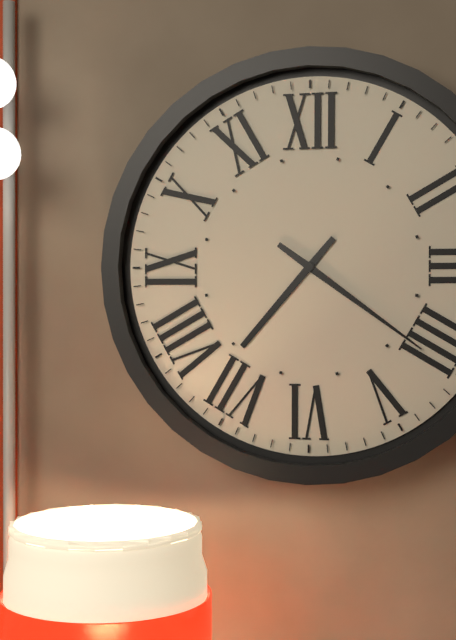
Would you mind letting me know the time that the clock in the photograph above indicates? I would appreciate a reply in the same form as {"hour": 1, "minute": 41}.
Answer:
{"hour": 7, "minute": 21}
